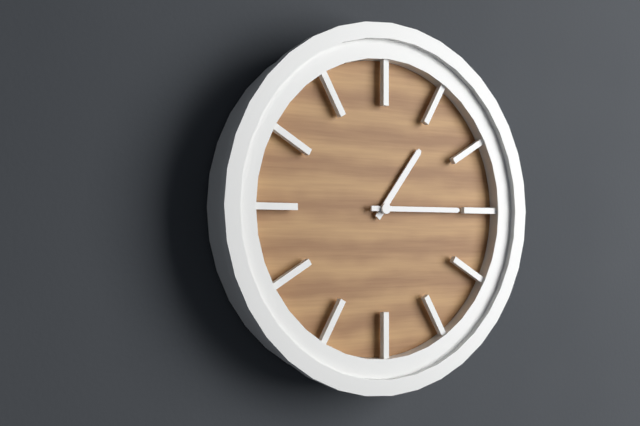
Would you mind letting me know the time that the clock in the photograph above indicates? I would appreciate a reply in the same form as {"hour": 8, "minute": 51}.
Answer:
{"hour": 1, "minute": 15}
